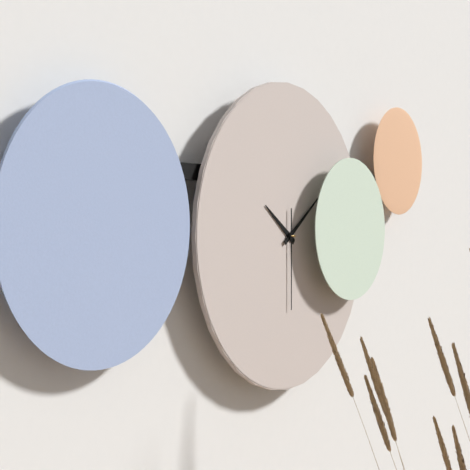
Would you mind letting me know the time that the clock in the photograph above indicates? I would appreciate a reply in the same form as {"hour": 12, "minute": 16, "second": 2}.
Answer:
{"hour": 10, "minute": 9, "second": 30}
